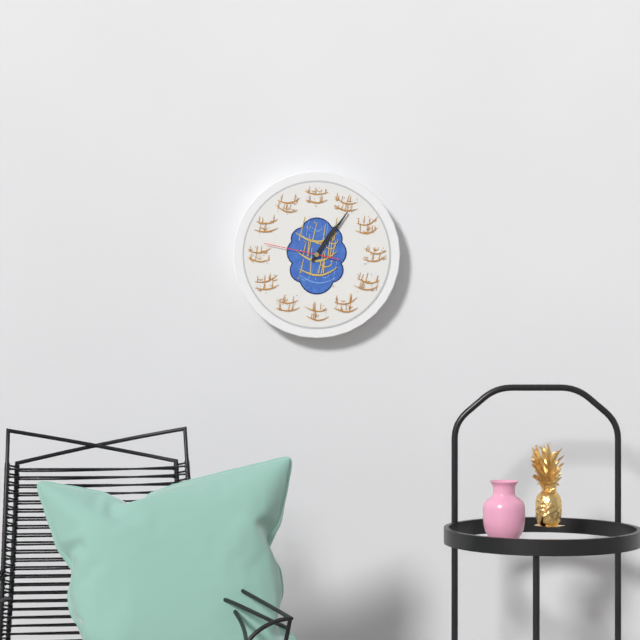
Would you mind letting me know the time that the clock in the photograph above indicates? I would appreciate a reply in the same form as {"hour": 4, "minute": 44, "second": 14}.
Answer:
{"hour": 1, "minute": 6, "second": 47}
